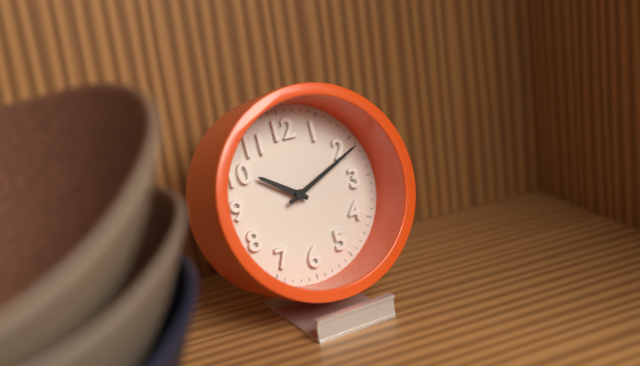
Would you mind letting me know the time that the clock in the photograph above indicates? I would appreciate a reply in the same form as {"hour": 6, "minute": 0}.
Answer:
{"hour": 10, "minute": 11}
